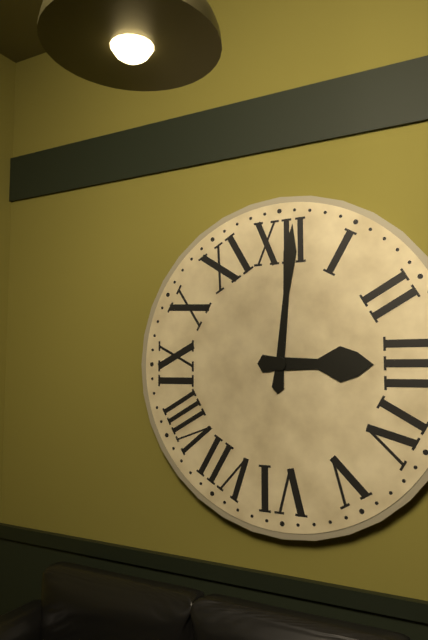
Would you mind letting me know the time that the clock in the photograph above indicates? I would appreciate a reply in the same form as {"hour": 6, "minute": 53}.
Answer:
{"hour": 3, "minute": 1}
